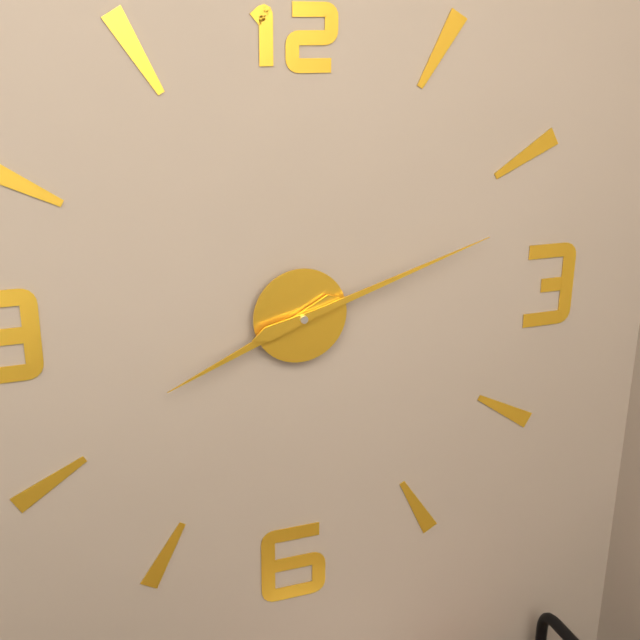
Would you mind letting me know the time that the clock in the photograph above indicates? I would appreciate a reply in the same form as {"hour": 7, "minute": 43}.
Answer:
{"hour": 8, "minute": 12}
